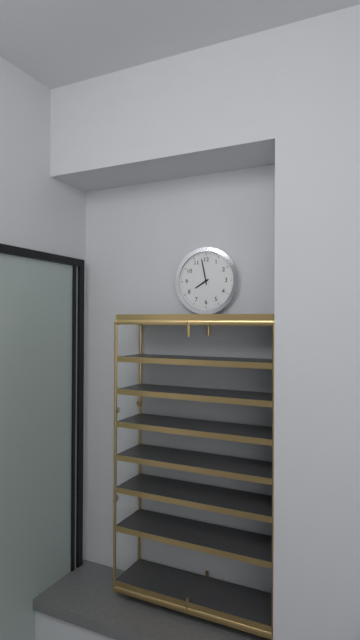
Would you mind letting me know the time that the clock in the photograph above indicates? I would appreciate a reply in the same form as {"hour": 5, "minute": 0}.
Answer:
{"hour": 7, "minute": 58}
